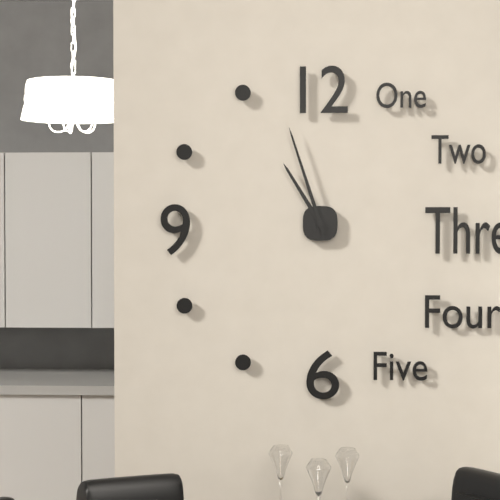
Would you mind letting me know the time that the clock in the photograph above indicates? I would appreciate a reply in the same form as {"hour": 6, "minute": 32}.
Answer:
{"hour": 10, "minute": 57}
